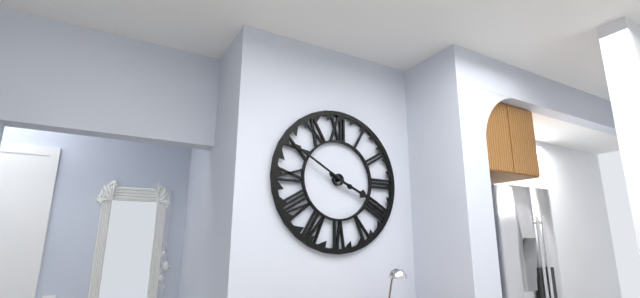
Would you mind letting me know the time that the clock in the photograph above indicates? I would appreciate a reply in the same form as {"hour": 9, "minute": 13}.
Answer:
{"hour": 3, "minute": 50}
